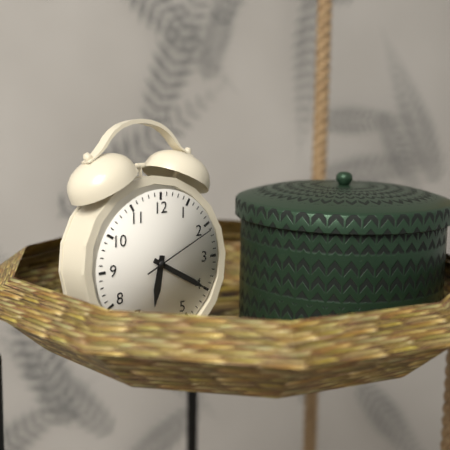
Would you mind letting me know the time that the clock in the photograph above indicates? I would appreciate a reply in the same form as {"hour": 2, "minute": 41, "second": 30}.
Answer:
{"hour": 6, "minute": 20, "second": 11}
